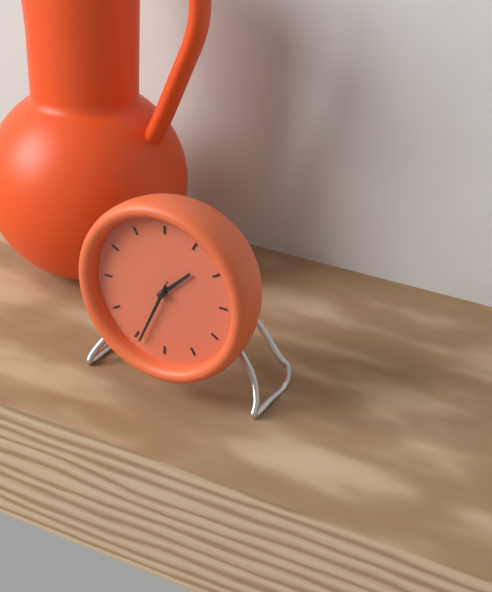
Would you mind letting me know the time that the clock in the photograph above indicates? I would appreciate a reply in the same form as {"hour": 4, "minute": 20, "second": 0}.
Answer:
{"hour": 1, "minute": 34, "second": 34}
